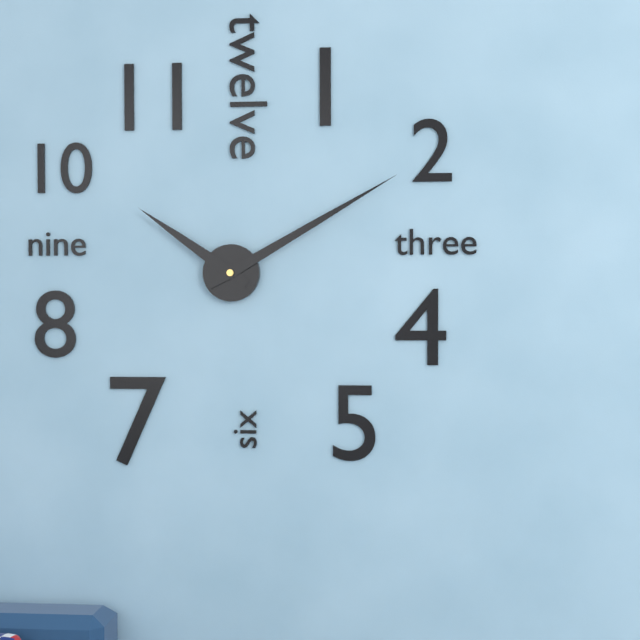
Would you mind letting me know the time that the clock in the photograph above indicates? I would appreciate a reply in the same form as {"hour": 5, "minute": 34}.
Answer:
{"hour": 10, "minute": 10}
